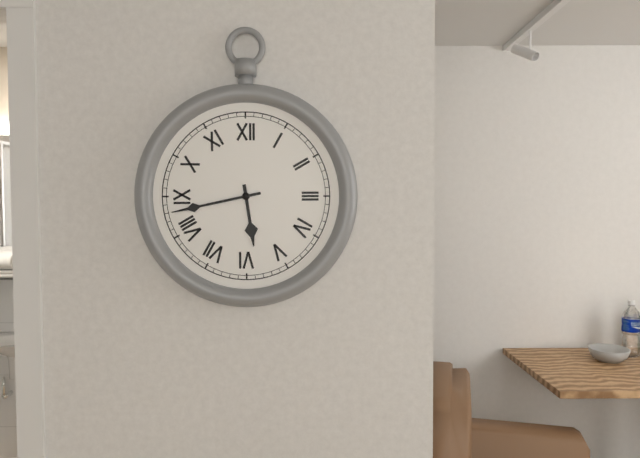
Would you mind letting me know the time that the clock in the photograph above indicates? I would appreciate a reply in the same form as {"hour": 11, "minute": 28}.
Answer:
{"hour": 5, "minute": 43}
